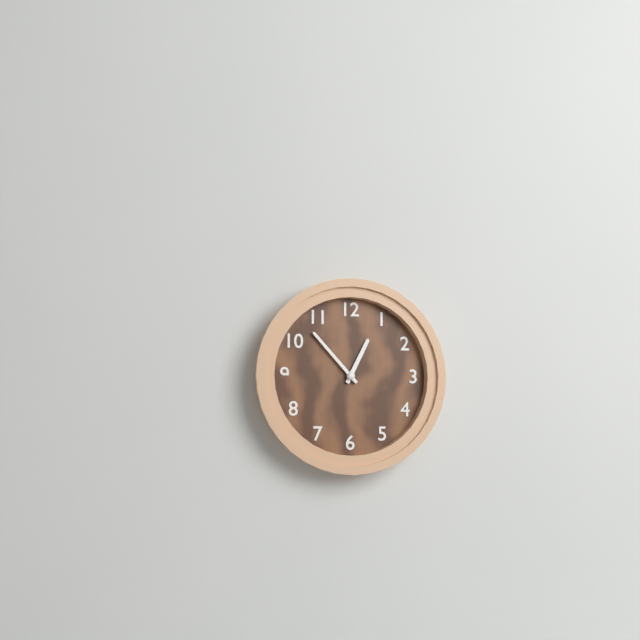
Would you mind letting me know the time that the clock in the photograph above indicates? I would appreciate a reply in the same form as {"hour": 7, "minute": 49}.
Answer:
{"hour": 12, "minute": 53}
